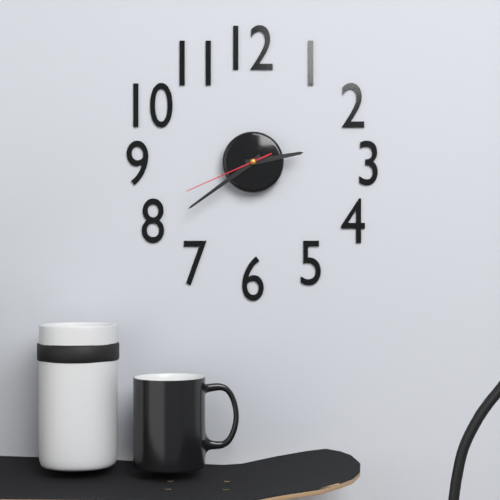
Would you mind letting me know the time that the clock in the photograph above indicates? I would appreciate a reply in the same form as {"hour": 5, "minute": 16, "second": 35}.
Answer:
{"hour": 2, "minute": 39, "second": 41}
